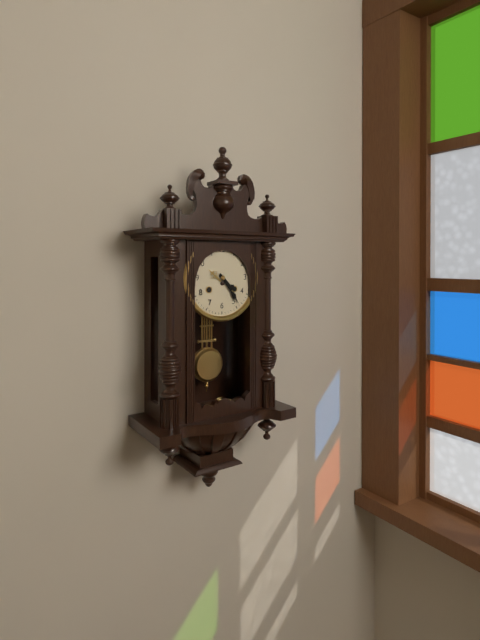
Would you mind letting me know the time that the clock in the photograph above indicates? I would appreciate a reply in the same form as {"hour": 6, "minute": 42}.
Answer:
{"hour": 4, "minute": 24}
